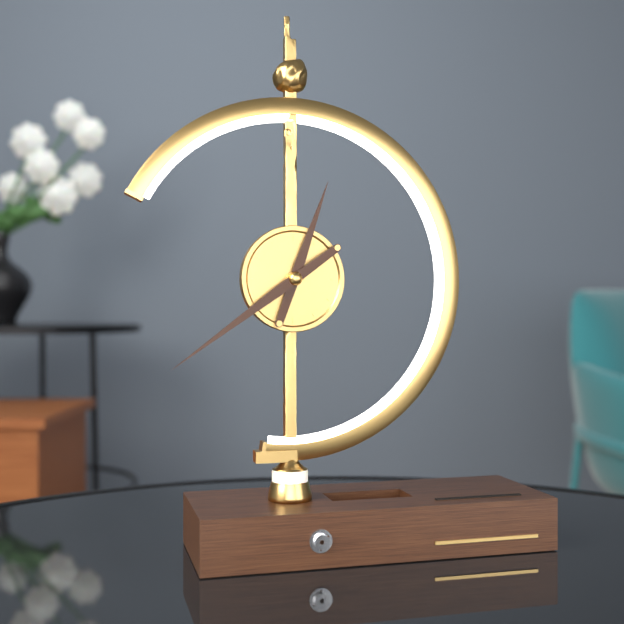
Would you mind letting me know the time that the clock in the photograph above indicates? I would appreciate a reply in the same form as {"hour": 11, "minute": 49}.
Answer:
{"hour": 12, "minute": 39}
